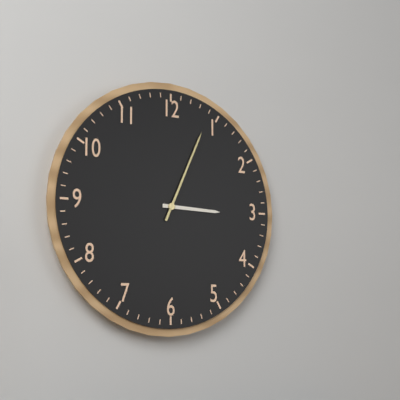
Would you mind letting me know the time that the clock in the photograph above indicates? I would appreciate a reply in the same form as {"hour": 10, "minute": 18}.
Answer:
{"hour": 3, "minute": 4}
